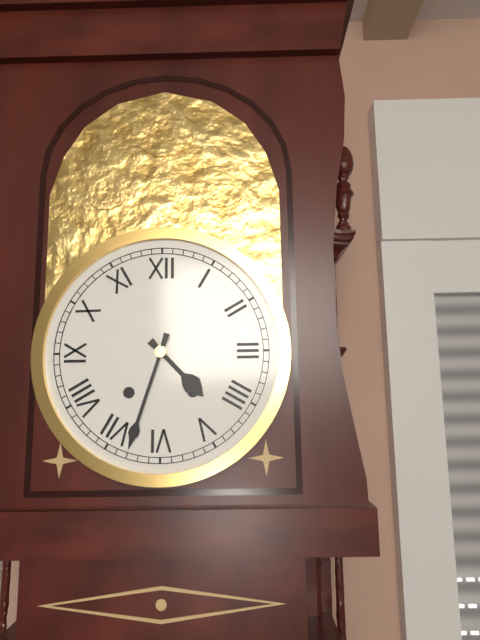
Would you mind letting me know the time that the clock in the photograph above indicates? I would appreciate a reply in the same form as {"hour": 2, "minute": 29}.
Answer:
{"hour": 4, "minute": 33}
